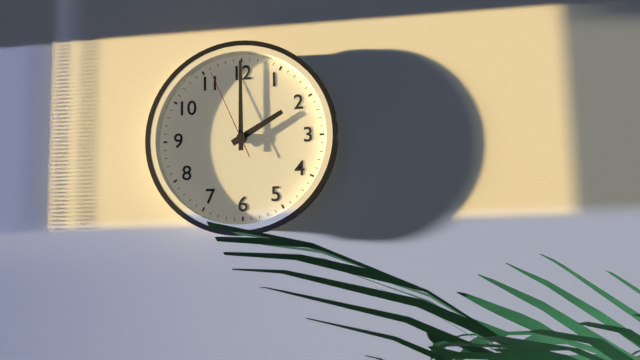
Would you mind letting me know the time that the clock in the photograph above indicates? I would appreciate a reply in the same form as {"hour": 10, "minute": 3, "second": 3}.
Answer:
{"hour": 2, "minute": 0, "second": 56}
